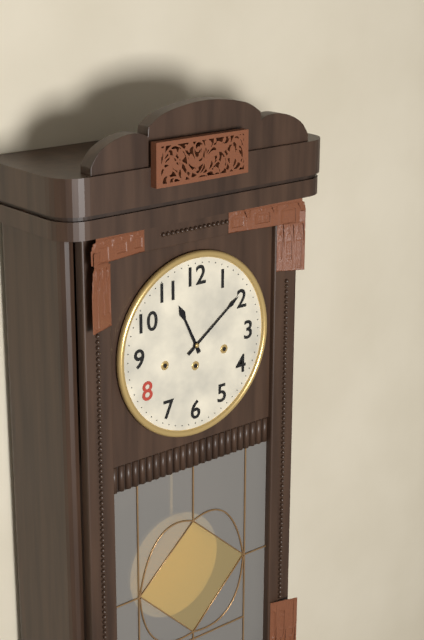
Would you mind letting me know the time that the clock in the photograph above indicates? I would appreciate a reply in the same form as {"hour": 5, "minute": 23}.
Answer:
{"hour": 11, "minute": 9}
